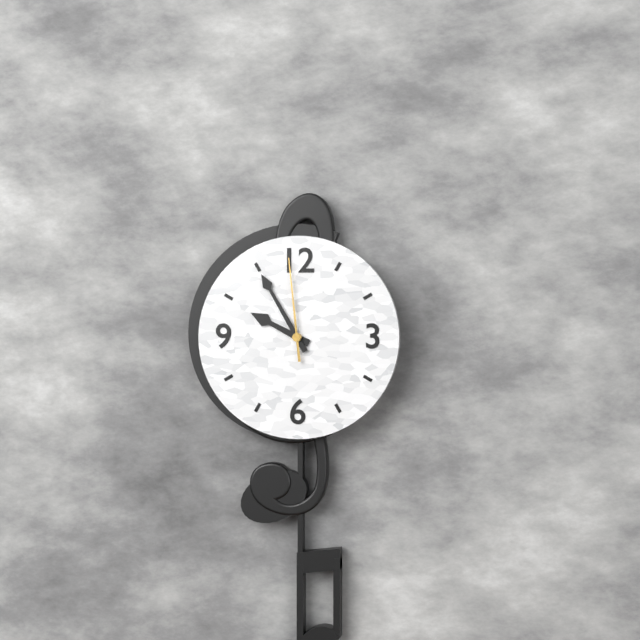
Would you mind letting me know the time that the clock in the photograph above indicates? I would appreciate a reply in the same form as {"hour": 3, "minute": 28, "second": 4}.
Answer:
{"hour": 9, "minute": 55, "second": 59}
